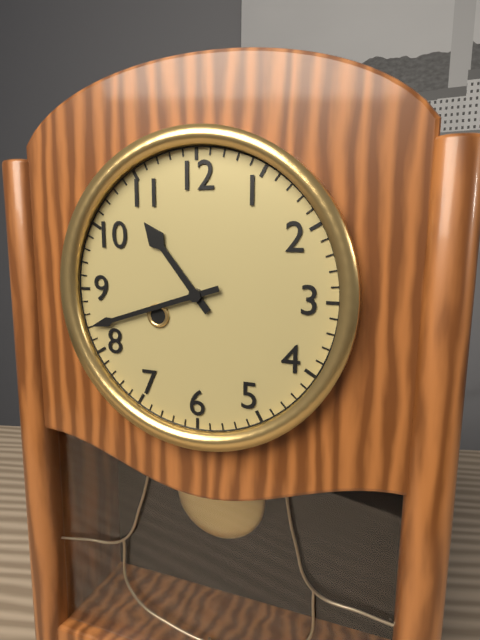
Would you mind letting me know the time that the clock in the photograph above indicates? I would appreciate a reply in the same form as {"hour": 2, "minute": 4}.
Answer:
{"hour": 10, "minute": 42}
